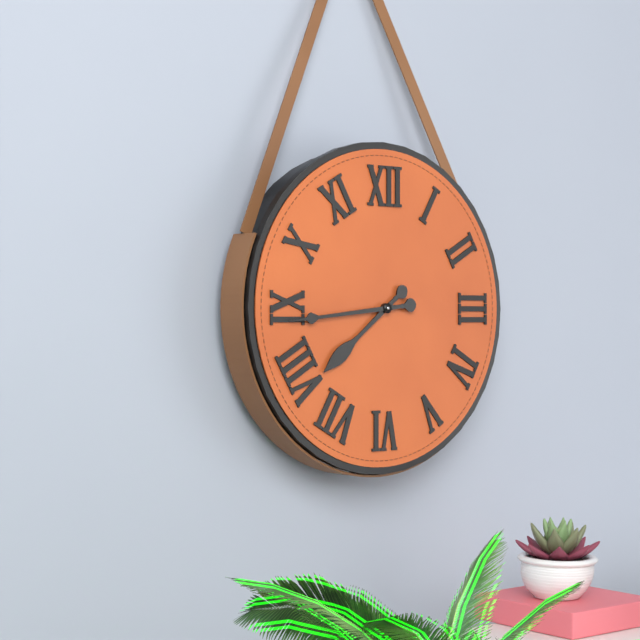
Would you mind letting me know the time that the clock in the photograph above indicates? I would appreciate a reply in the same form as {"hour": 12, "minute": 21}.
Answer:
{"hour": 7, "minute": 44}
